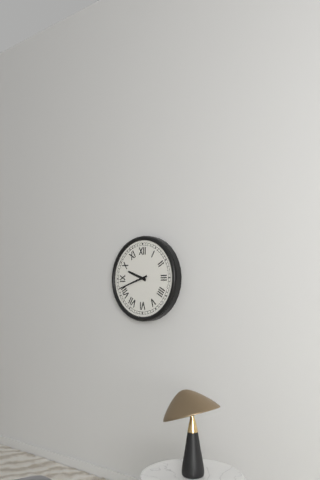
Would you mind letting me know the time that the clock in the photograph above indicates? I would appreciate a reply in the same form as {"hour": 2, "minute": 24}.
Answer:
{"hour": 9, "minute": 42}
